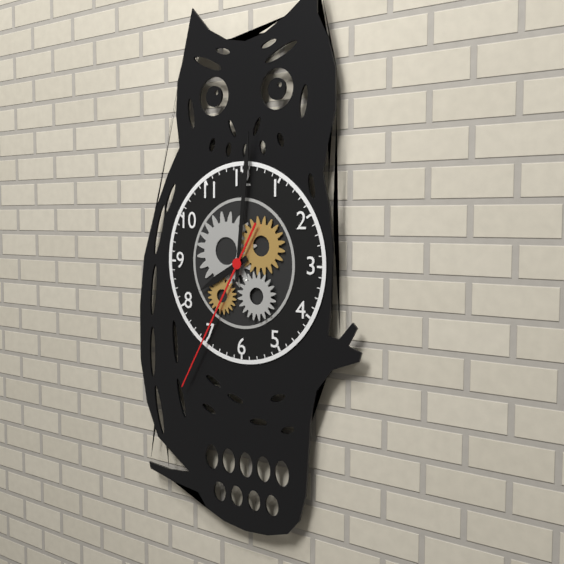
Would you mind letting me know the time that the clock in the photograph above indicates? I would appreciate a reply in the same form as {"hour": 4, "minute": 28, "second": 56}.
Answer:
{"hour": 8, "minute": 1, "second": 35}
